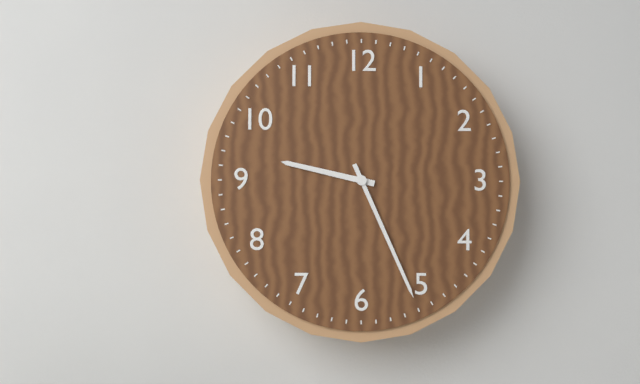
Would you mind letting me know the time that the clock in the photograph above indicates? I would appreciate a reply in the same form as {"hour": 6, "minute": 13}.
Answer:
{"hour": 9, "minute": 26}
